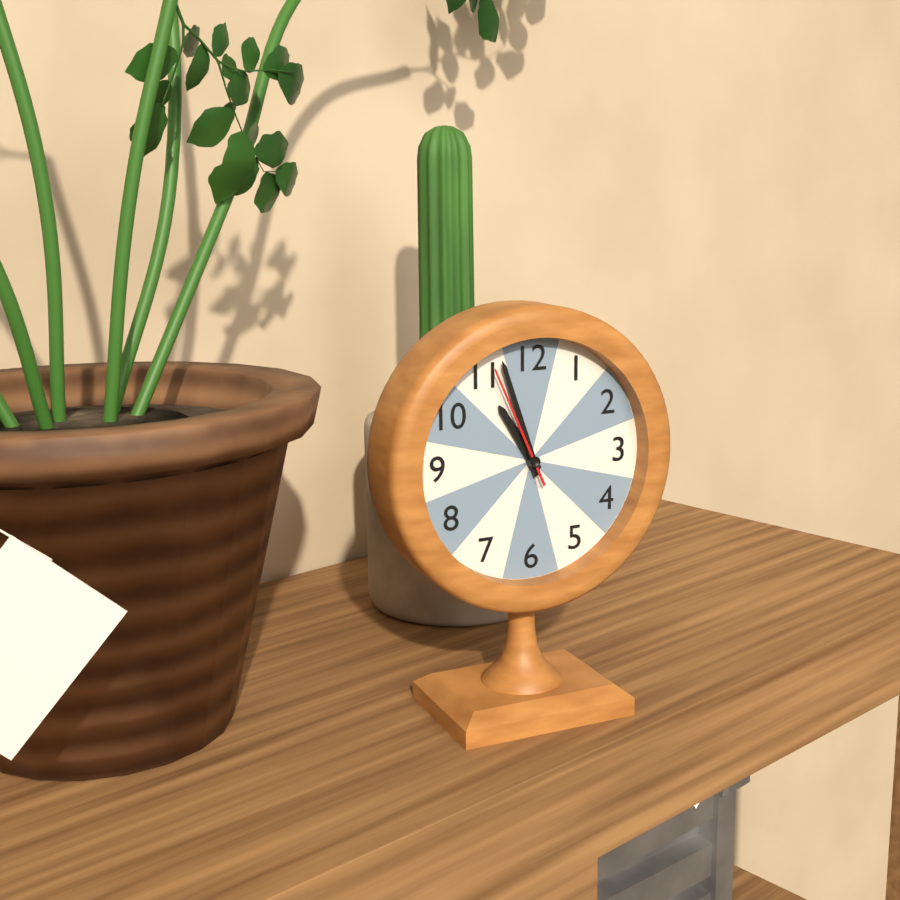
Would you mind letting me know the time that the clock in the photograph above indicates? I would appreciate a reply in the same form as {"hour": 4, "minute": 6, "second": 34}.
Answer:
{"hour": 10, "minute": 57, "second": 56}
